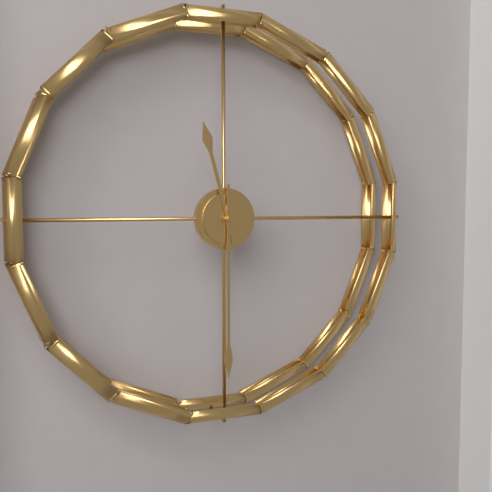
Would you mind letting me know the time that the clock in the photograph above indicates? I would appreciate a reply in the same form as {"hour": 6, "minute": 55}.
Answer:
{"hour": 11, "minute": 30}
